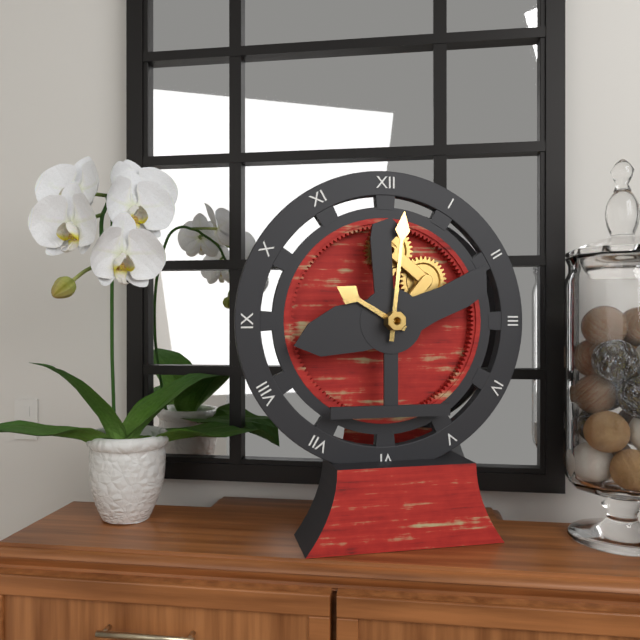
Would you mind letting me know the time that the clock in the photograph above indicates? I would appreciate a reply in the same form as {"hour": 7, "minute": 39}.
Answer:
{"hour": 10, "minute": 1}
